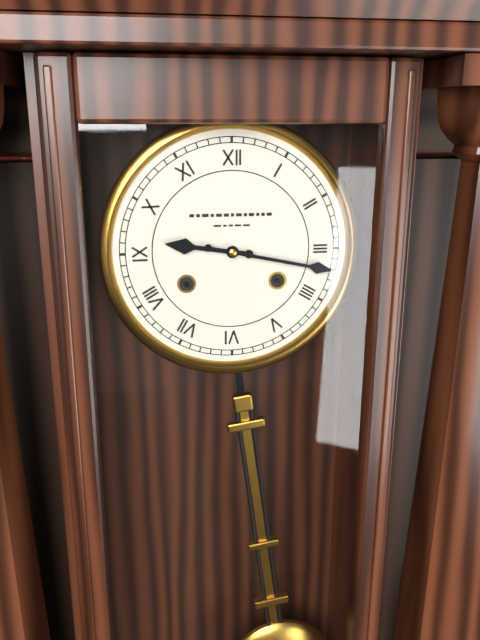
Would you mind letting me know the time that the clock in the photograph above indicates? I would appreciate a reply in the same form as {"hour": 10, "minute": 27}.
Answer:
{"hour": 9, "minute": 17}
